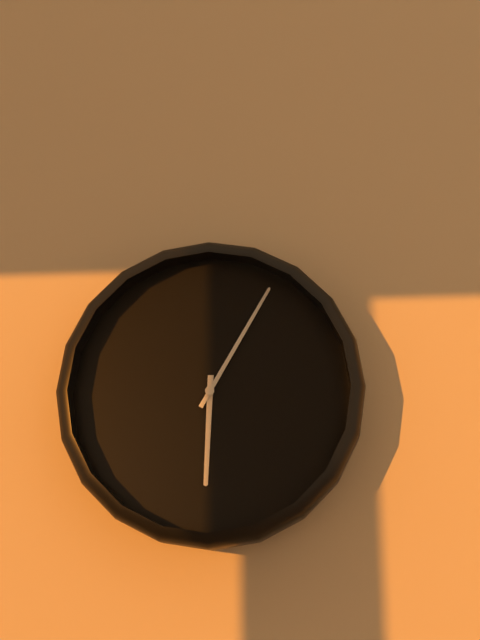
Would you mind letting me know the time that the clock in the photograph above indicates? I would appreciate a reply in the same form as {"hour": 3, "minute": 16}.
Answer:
{"hour": 6, "minute": 5}
